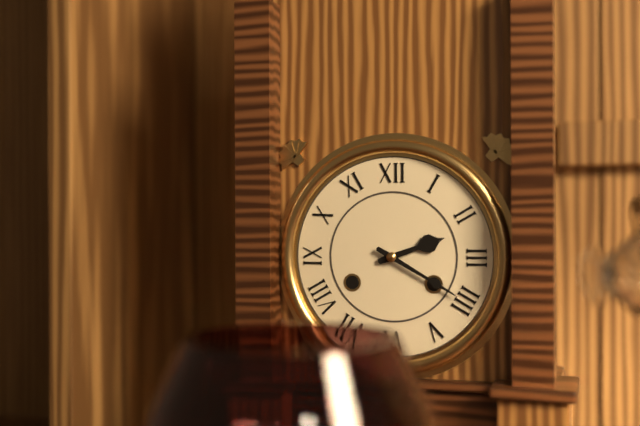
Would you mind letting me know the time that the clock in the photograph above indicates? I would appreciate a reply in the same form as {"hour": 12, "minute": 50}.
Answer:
{"hour": 2, "minute": 20}
